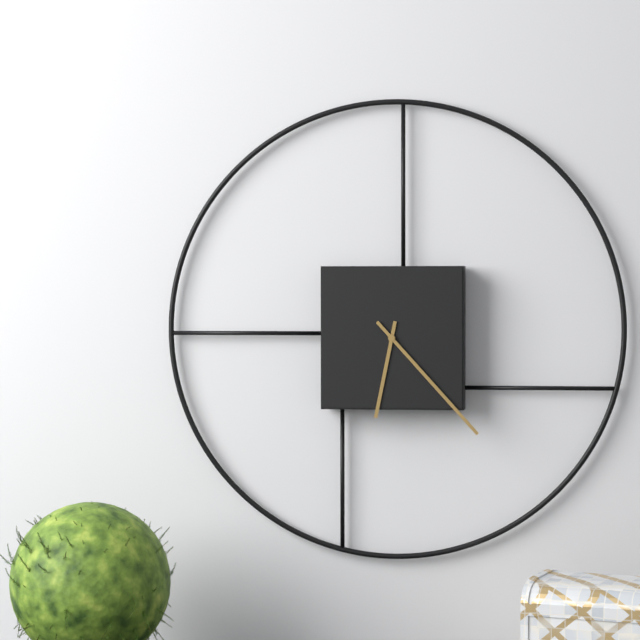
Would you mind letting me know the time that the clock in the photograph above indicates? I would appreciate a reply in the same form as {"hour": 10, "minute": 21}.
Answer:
{"hour": 6, "minute": 23}
